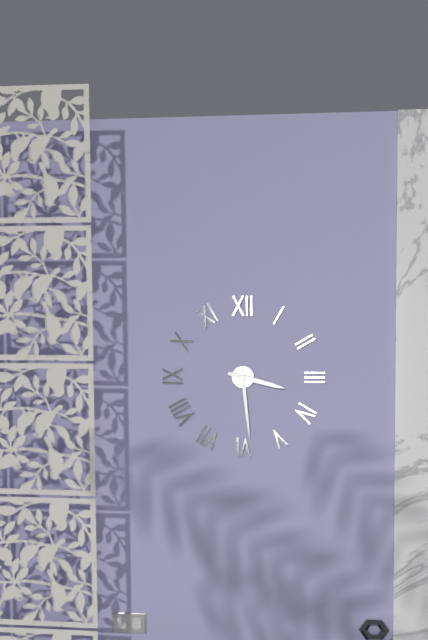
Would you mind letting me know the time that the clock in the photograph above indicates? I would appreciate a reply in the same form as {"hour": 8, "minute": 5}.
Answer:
{"hour": 3, "minute": 29}
